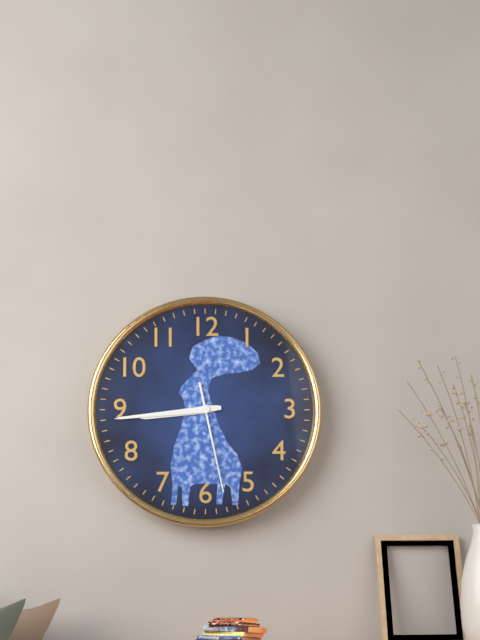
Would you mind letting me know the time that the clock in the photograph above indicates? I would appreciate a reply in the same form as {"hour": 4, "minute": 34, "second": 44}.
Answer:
{"hour": 8, "minute": 44, "second": 28}
